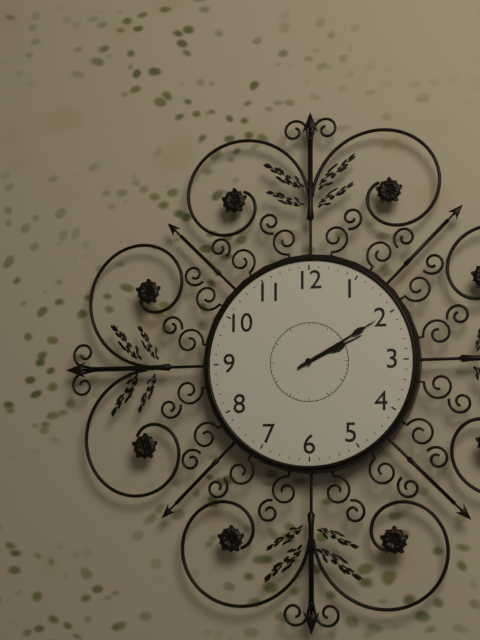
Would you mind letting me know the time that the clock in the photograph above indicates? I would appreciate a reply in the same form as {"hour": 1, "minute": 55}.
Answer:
{"hour": 2, "minute": 10}
